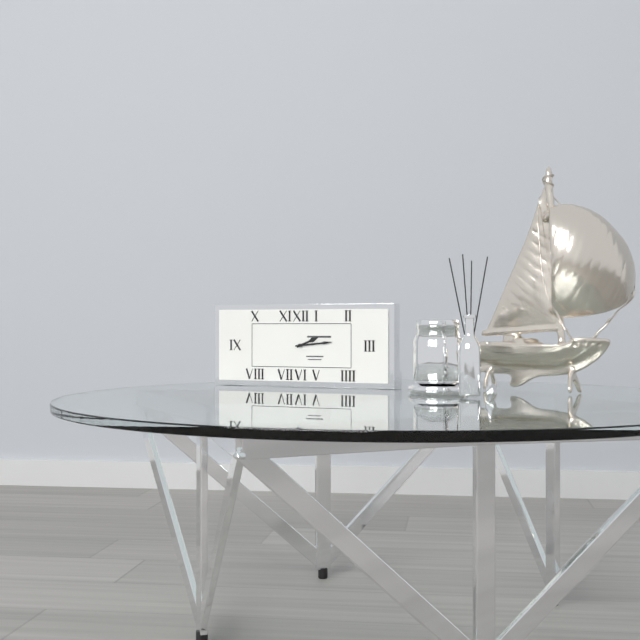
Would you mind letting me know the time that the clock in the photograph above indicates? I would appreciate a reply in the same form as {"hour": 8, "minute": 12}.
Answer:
{"hour": 2, "minute": 14}
